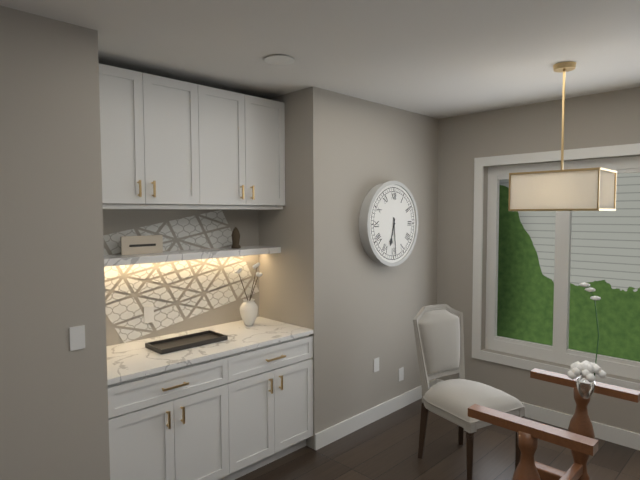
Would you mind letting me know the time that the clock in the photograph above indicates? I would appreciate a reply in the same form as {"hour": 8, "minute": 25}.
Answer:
{"hour": 6, "minute": 29}
